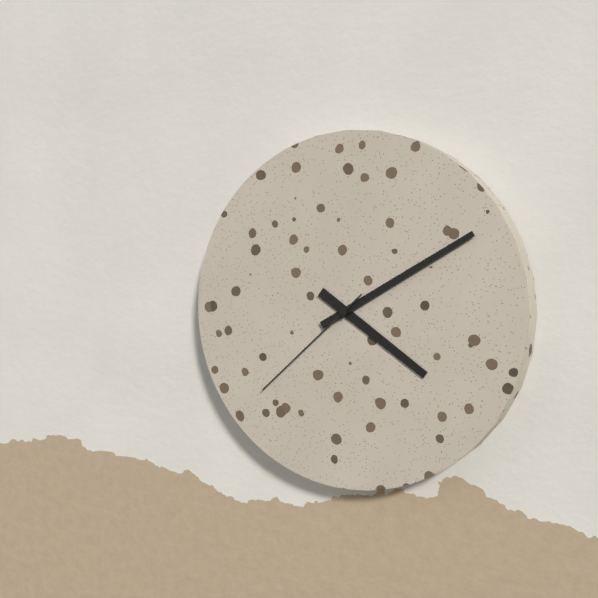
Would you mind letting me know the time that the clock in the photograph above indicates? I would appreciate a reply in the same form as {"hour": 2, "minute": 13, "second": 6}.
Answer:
{"hour": 4, "minute": 10, "second": 38}
